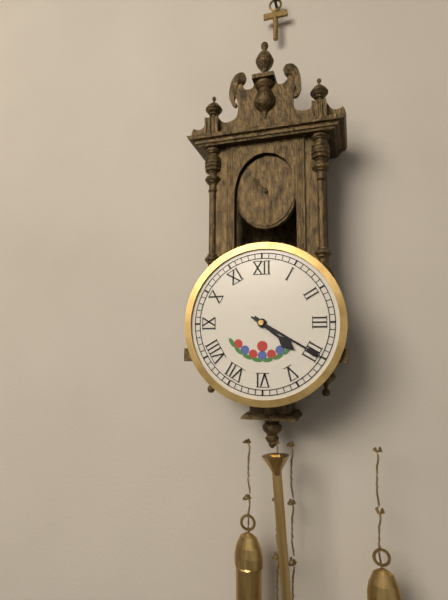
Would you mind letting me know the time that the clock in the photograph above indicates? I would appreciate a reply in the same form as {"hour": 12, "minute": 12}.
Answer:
{"hour": 4, "minute": 20}
